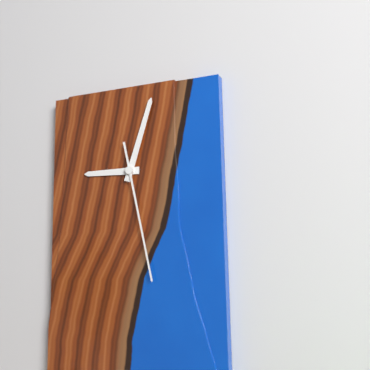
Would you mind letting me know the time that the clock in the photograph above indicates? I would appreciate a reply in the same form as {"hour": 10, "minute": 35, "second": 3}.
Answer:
{"hour": 9, "minute": 3, "second": 28}
